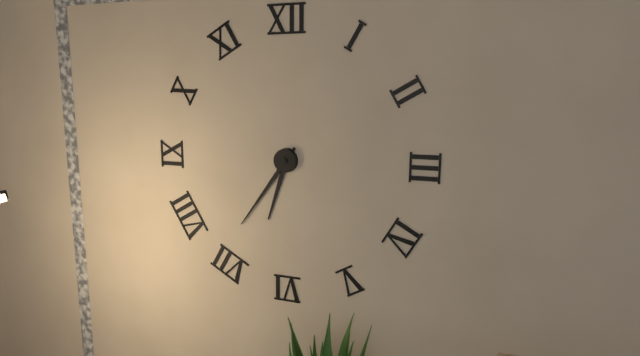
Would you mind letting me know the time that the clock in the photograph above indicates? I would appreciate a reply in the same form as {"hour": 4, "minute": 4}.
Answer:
{"hour": 6, "minute": 36}
